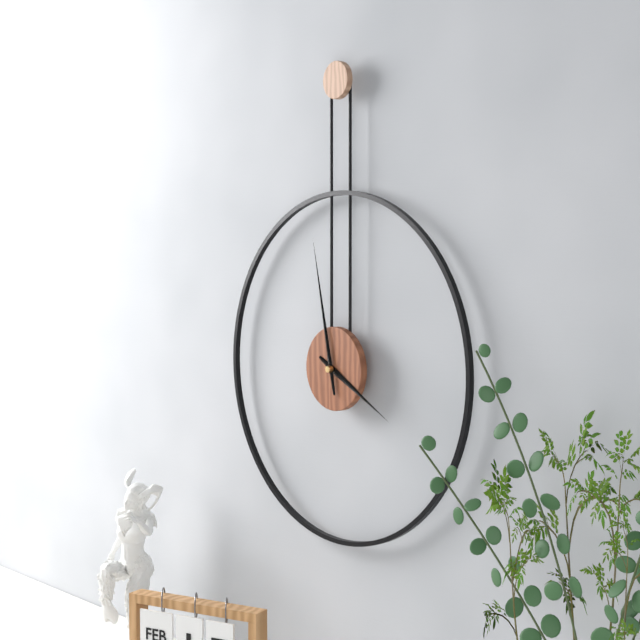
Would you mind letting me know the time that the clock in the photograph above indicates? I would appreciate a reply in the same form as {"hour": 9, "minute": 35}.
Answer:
{"hour": 3, "minute": 58}
